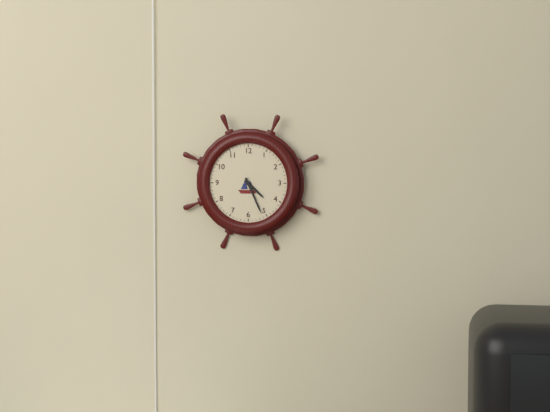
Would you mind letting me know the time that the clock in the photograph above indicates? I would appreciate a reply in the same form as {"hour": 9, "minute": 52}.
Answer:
{"hour": 4, "minute": 26}
